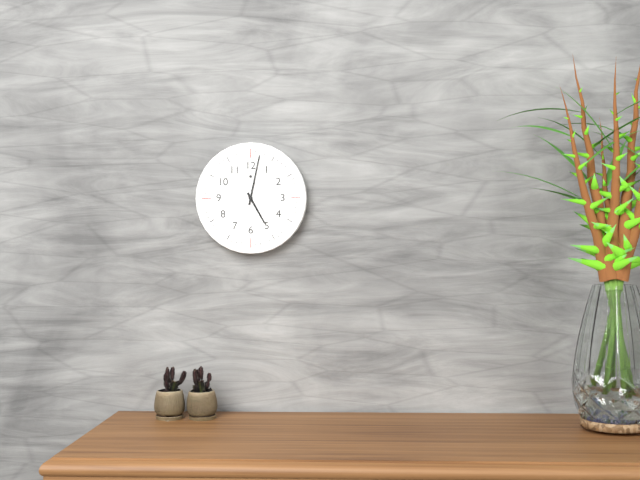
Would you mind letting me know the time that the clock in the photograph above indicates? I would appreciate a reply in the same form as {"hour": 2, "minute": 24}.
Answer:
{"hour": 5, "minute": 2}
